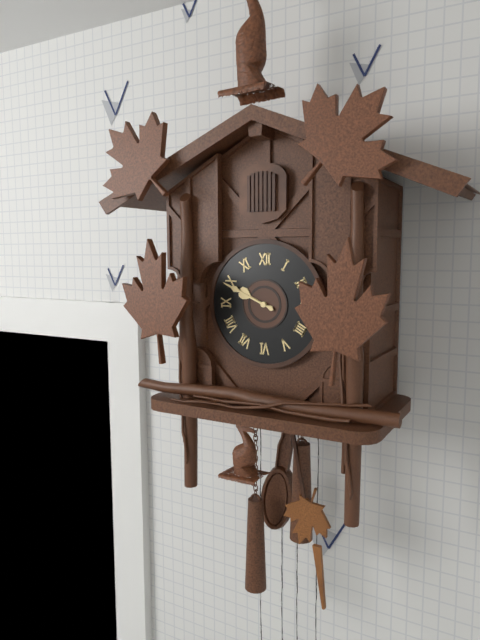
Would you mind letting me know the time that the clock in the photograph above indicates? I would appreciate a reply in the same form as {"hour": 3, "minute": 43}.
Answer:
{"hour": 9, "minute": 49}
